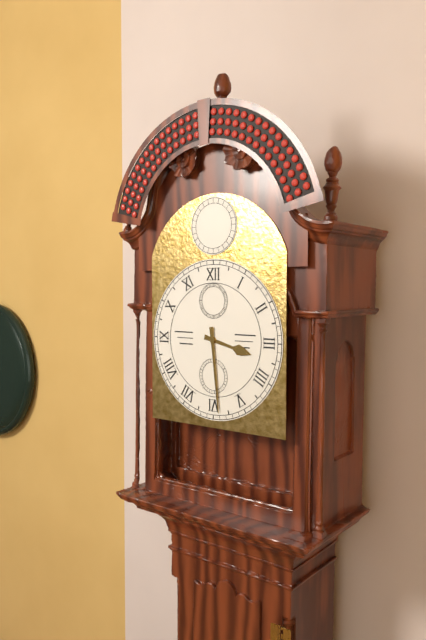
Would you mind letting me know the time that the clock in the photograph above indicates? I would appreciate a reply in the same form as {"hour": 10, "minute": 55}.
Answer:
{"hour": 3, "minute": 29}
